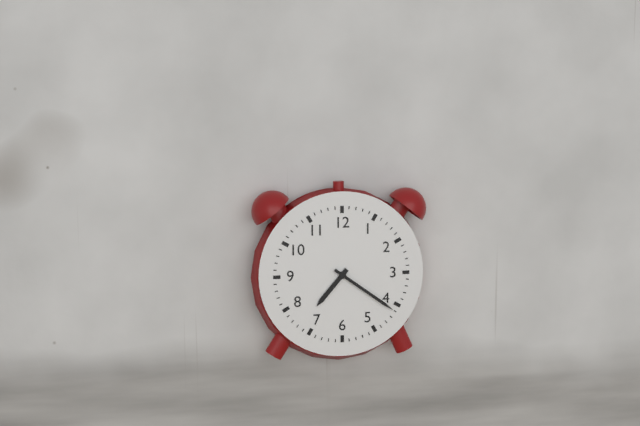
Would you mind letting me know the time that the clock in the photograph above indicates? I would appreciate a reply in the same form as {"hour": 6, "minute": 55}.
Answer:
{"hour": 7, "minute": 21}
